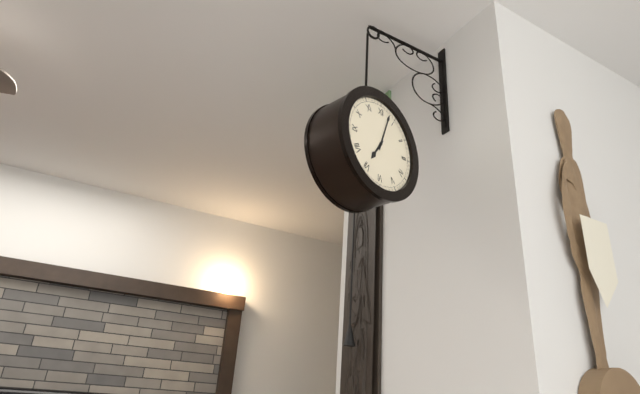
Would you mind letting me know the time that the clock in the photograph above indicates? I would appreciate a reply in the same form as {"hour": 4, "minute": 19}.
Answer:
{"hour": 7, "minute": 3}
